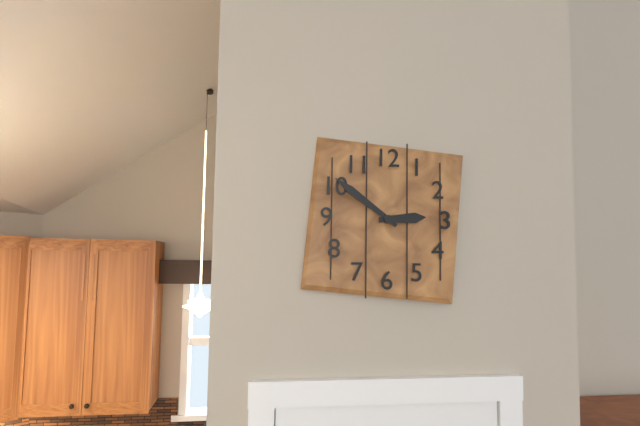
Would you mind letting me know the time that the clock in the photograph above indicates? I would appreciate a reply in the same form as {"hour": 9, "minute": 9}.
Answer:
{"hour": 2, "minute": 51}
